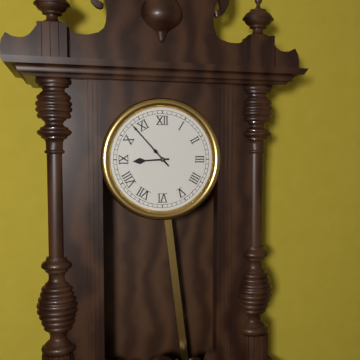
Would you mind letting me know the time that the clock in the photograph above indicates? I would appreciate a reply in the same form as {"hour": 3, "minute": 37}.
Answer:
{"hour": 8, "minute": 53}
